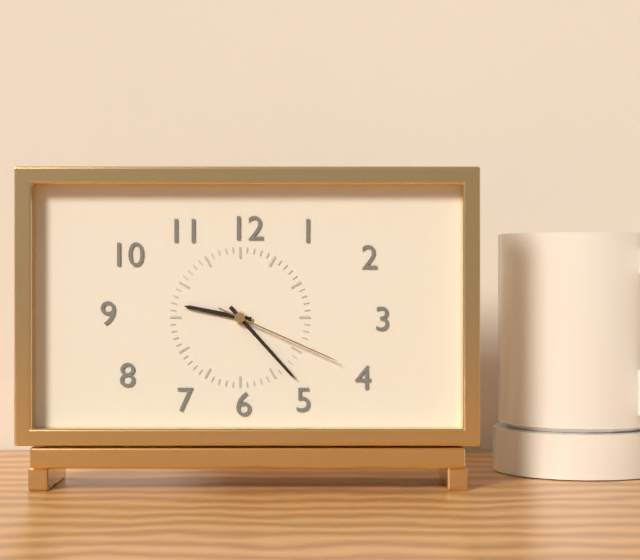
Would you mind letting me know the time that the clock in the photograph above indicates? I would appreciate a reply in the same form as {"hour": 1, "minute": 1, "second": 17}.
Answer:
{"hour": 9, "minute": 23, "second": 19}
